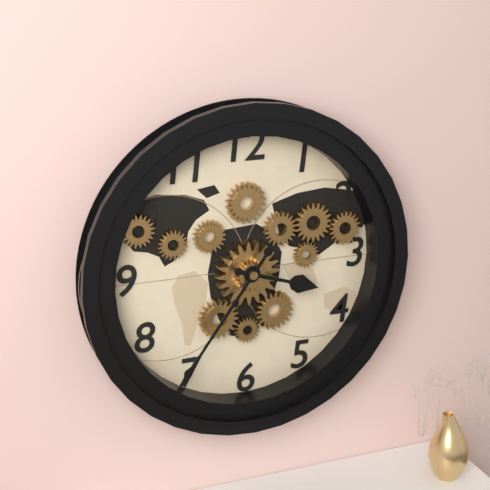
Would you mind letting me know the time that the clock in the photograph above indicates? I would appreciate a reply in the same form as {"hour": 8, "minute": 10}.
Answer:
{"hour": 3, "minute": 36}
